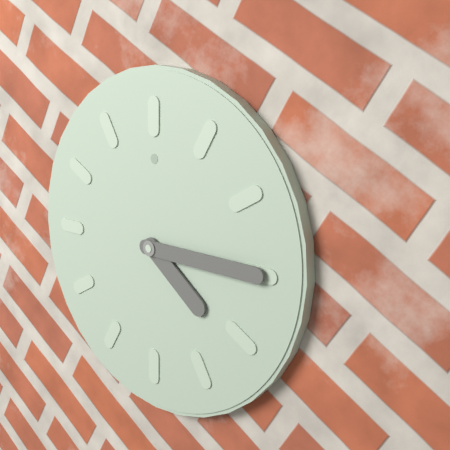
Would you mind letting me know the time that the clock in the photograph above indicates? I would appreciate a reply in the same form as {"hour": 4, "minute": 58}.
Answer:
{"hour": 4, "minute": 15}
